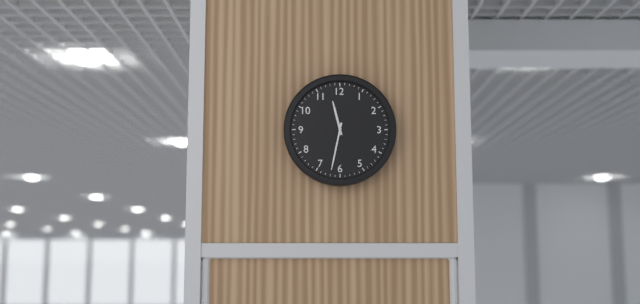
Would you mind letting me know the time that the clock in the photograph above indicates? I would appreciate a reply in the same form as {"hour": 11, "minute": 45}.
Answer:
{"hour": 11, "minute": 32}
